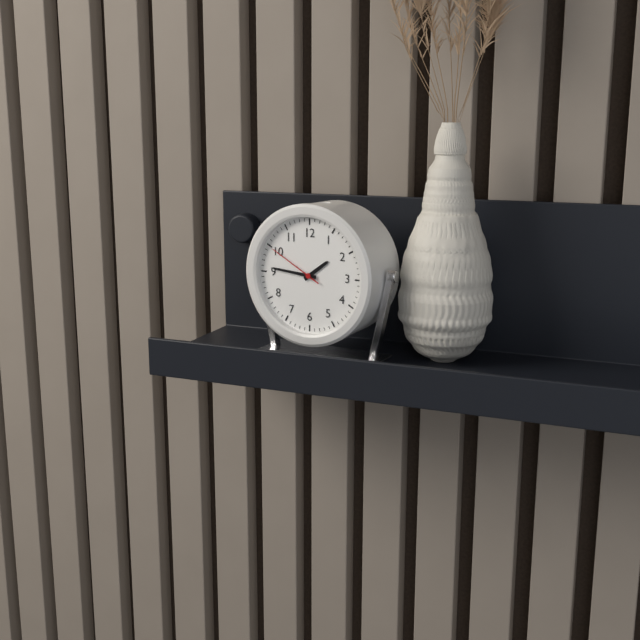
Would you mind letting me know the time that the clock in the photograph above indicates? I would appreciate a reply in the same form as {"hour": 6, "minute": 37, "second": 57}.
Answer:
{"hour": 1, "minute": 46, "second": 50}
